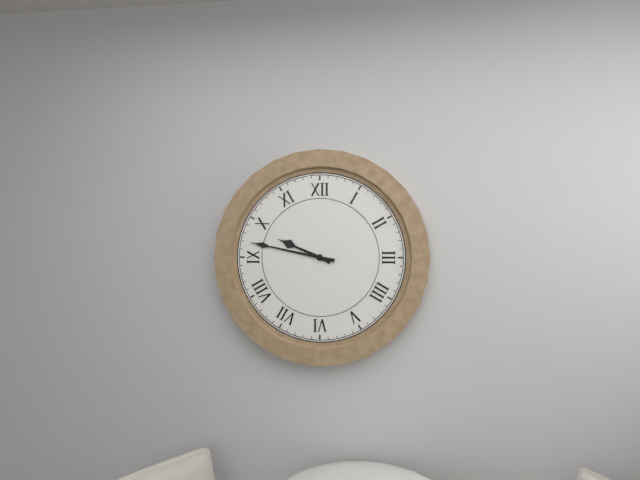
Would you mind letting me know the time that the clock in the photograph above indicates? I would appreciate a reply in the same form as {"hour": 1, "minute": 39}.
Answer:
{"hour": 9, "minute": 47}
